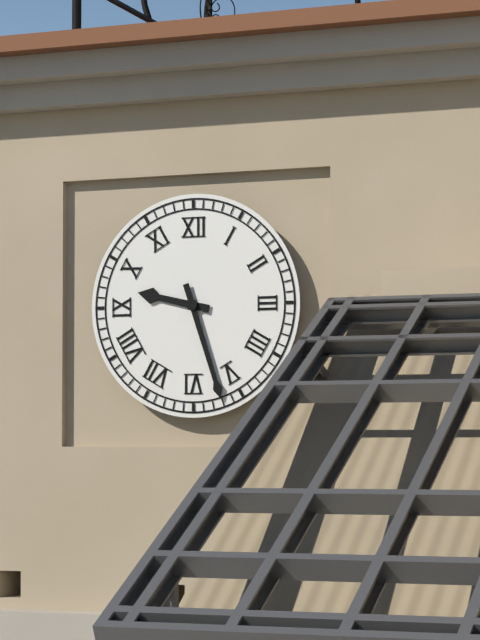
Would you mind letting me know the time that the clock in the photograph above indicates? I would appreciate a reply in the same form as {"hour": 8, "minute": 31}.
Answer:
{"hour": 9, "minute": 27}
